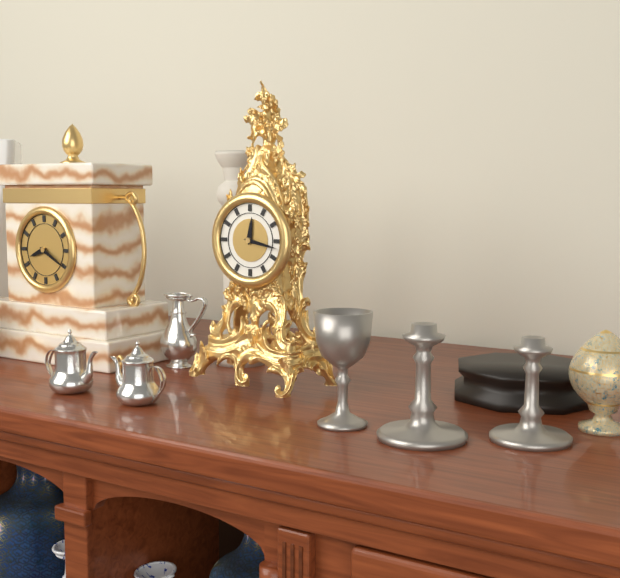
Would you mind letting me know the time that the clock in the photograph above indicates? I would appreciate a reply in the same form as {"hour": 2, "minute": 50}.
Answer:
{"hour": 12, "minute": 17}
